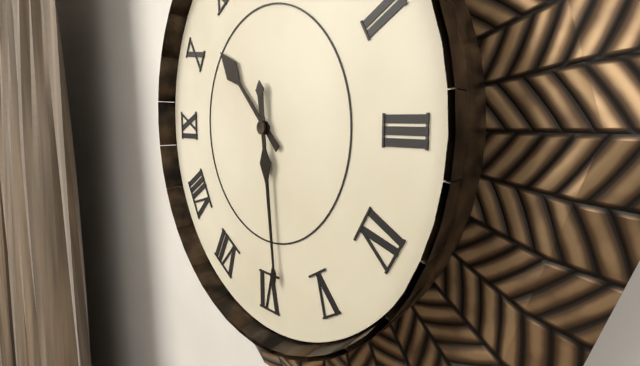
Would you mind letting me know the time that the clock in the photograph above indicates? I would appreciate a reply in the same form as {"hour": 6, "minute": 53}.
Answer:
{"hour": 10, "minute": 29}
